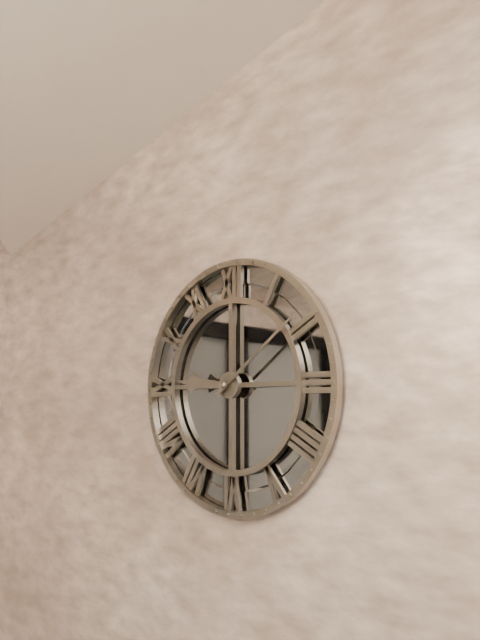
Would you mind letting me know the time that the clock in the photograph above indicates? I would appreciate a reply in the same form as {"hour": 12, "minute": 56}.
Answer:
{"hour": 9, "minute": 9}
